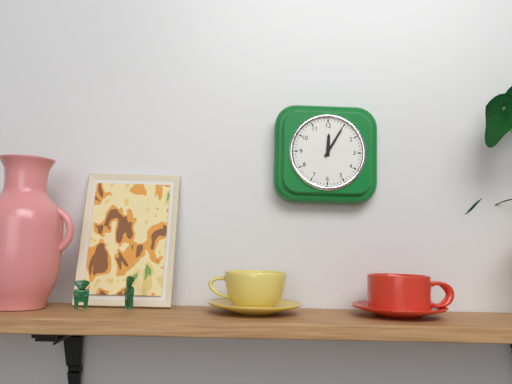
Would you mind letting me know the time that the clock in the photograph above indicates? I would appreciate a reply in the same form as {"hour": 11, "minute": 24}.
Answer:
{"hour": 12, "minute": 5}
